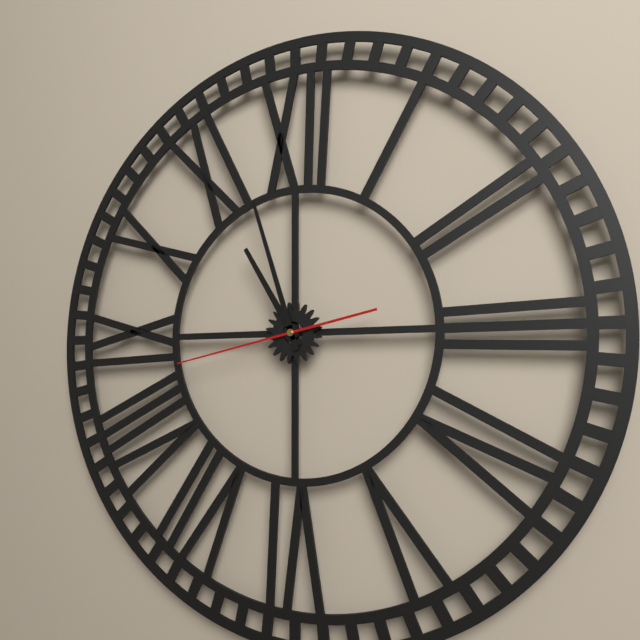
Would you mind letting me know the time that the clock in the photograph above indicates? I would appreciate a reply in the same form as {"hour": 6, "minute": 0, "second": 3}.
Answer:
{"hour": 10, "minute": 57, "second": 43}
